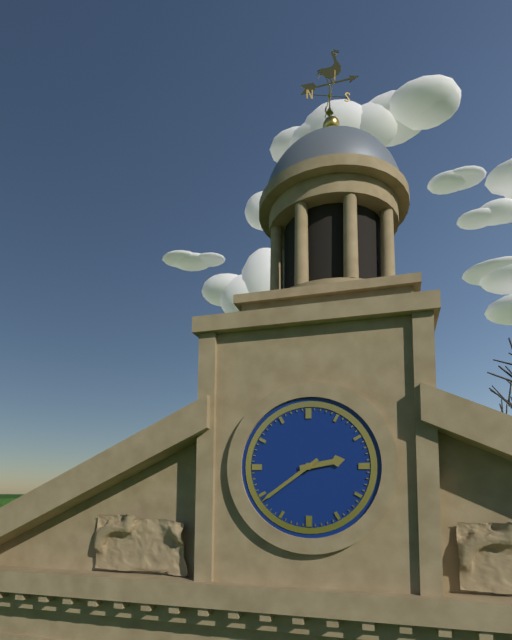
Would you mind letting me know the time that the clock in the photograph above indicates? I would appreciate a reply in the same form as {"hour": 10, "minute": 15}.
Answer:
{"hour": 2, "minute": 39}
